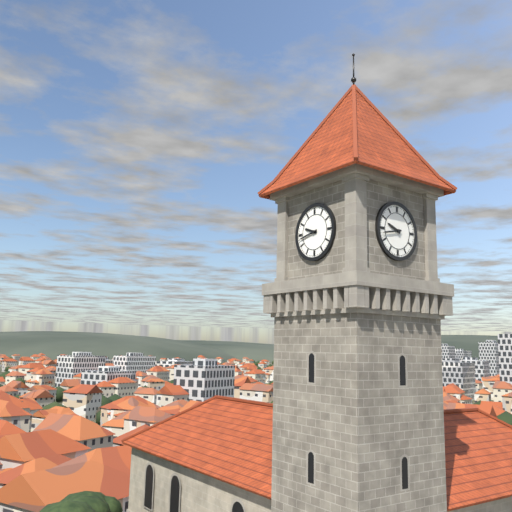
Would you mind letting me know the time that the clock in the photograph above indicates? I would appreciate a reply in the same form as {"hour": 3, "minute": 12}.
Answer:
{"hour": 9, "minute": 43}
